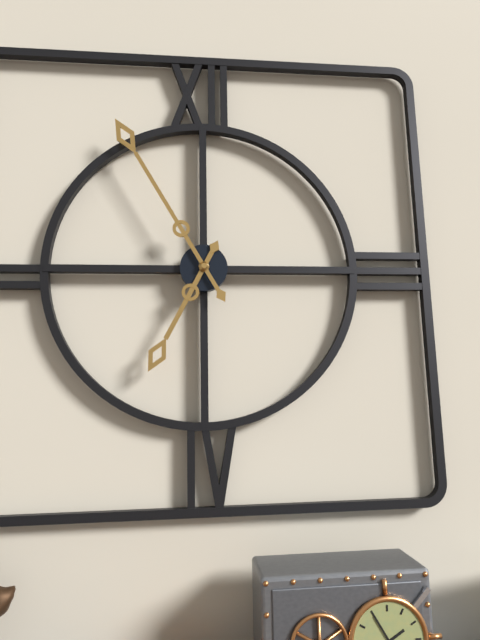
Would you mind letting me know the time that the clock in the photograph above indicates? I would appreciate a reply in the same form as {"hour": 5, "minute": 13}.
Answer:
{"hour": 6, "minute": 55}
